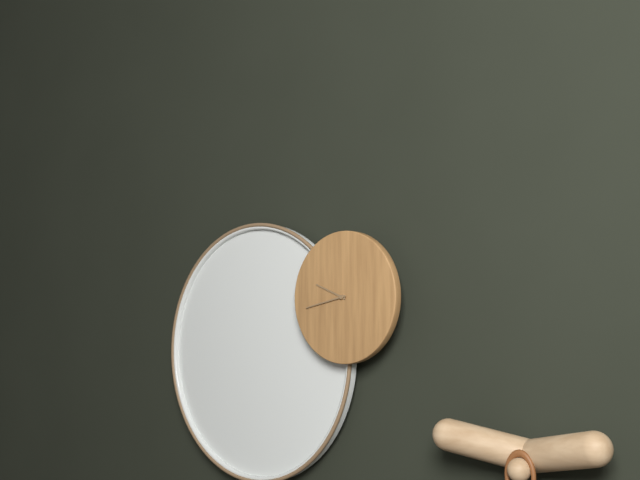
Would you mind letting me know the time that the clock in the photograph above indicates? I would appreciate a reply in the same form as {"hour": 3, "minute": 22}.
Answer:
{"hour": 9, "minute": 43}
